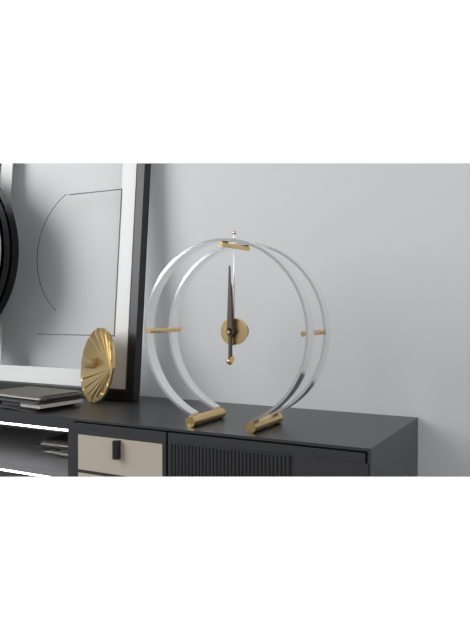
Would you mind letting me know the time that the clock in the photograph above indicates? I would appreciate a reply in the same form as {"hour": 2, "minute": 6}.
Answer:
{"hour": 12, "minute": 0}
